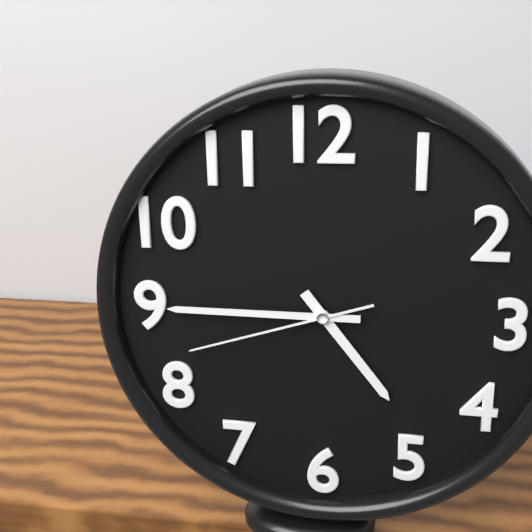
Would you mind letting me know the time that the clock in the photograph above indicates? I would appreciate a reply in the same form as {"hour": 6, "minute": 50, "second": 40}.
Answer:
{"hour": 4, "minute": 45, "second": 42}
